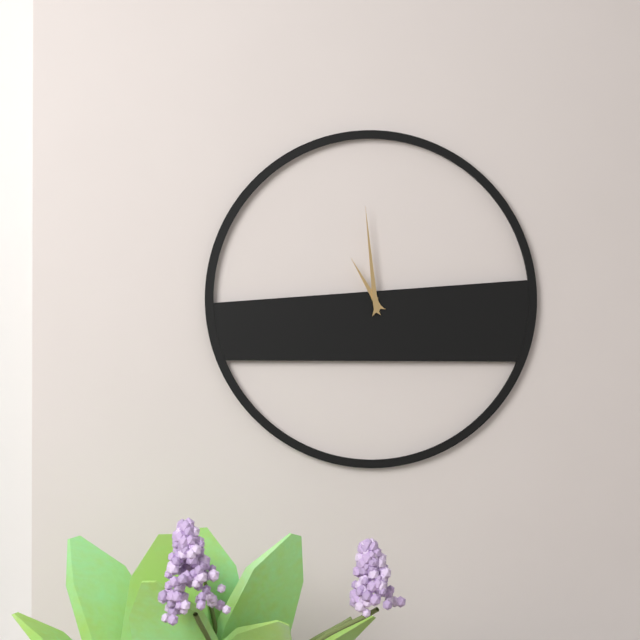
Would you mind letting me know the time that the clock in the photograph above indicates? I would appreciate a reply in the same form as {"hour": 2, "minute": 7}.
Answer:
{"hour": 10, "minute": 59}
